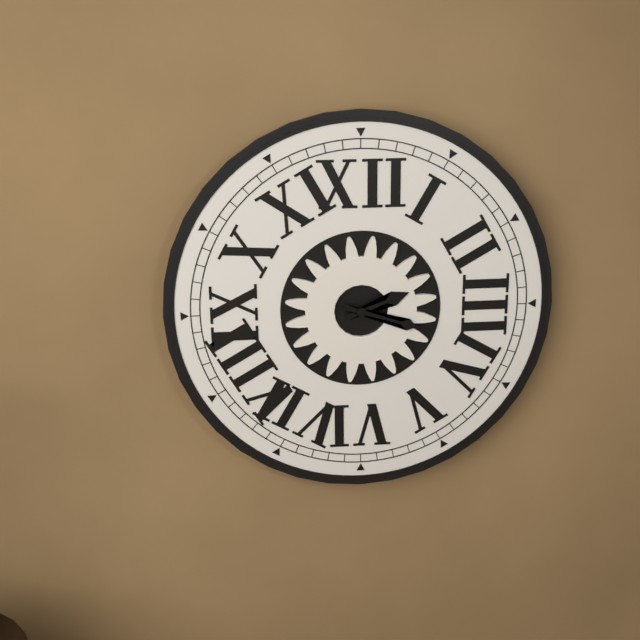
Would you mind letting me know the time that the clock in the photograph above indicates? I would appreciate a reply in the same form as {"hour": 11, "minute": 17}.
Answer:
{"hour": 2, "minute": 18}
